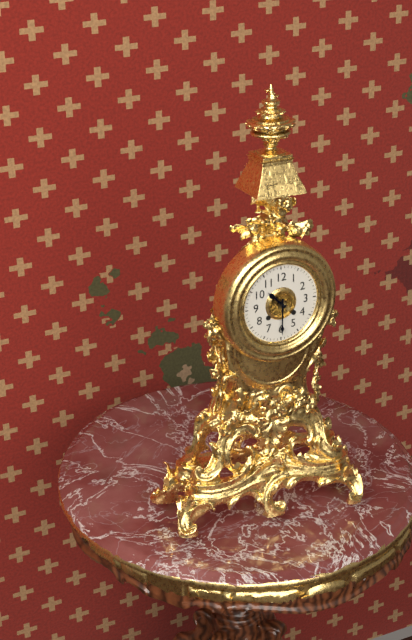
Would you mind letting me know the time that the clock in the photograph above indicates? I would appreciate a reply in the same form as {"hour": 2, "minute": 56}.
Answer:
{"hour": 10, "minute": 30}
